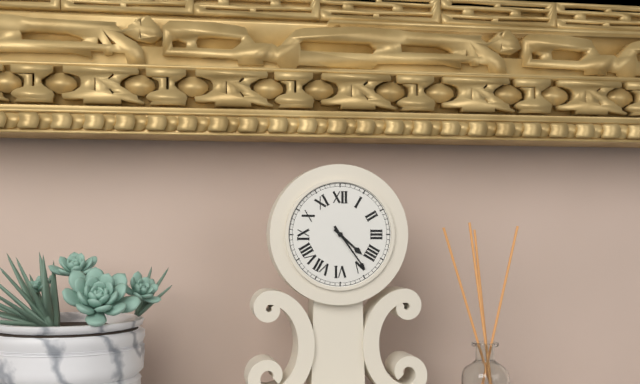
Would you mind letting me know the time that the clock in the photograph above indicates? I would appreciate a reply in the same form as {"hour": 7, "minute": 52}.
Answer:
{"hour": 4, "minute": 24}
